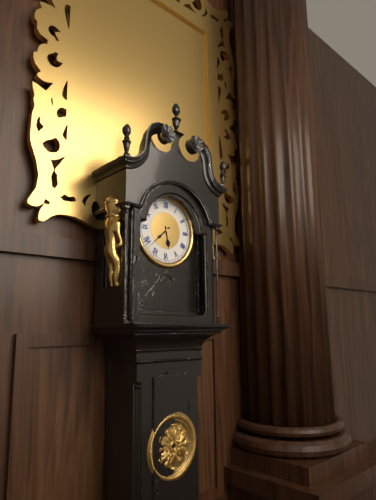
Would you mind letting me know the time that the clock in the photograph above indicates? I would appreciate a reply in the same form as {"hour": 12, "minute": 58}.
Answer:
{"hour": 5, "minute": 38}
